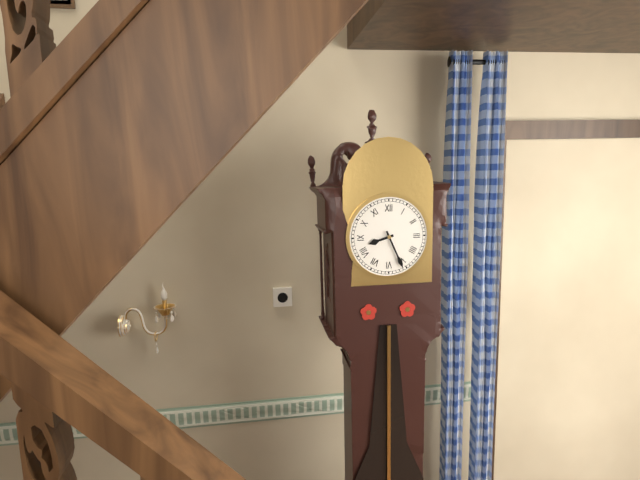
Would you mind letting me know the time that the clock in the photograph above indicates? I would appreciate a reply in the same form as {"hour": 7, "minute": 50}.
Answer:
{"hour": 8, "minute": 26}
